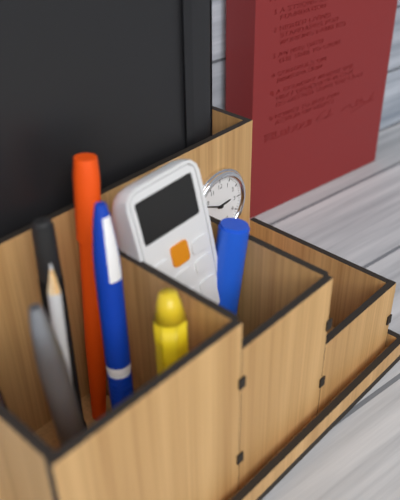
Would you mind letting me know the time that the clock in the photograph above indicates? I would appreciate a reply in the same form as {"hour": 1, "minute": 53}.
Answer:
{"hour": 2, "minute": 49}
